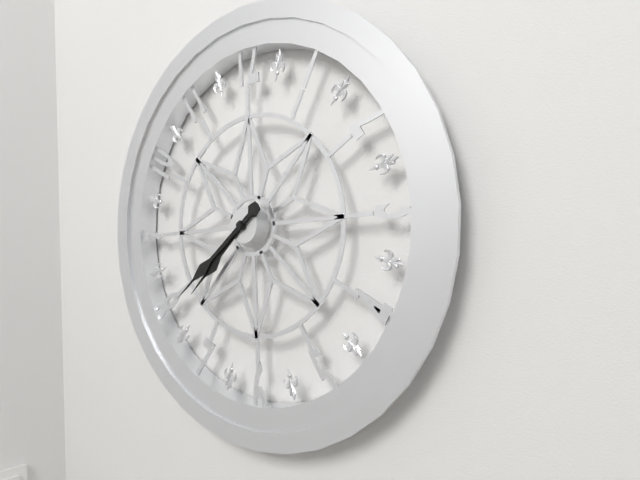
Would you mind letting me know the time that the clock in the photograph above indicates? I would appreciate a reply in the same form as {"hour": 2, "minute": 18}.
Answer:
{"hour": 7, "minute": 39}
